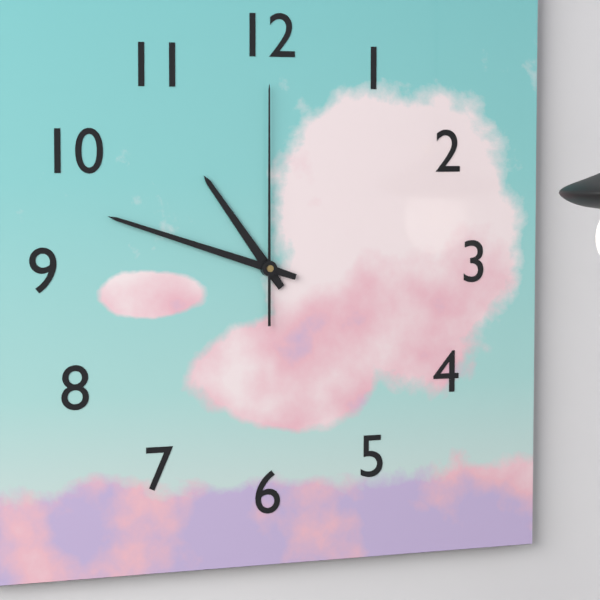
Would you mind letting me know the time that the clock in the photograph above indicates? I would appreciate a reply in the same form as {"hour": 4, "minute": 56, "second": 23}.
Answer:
{"hour": 10, "minute": 48, "second": 0}
